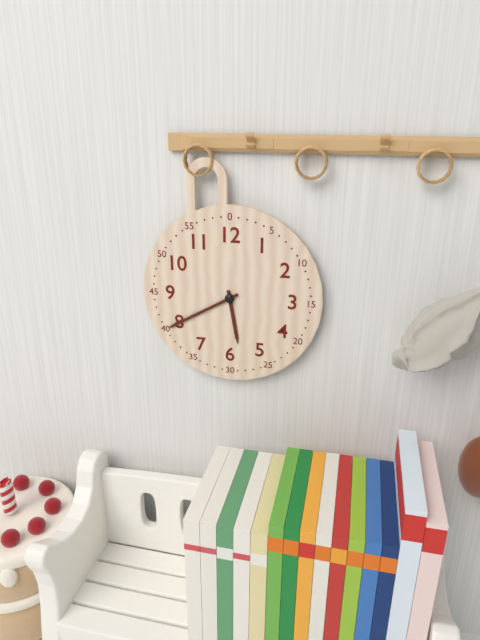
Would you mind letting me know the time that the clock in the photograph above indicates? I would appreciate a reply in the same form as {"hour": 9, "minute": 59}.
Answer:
{"hour": 5, "minute": 40}
